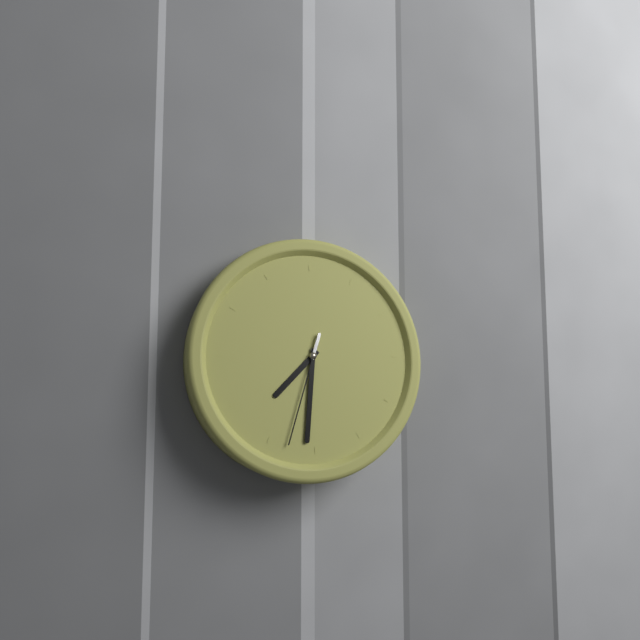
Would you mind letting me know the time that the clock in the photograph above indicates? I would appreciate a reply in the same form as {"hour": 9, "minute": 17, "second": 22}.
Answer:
{"hour": 7, "minute": 31, "second": 33}
